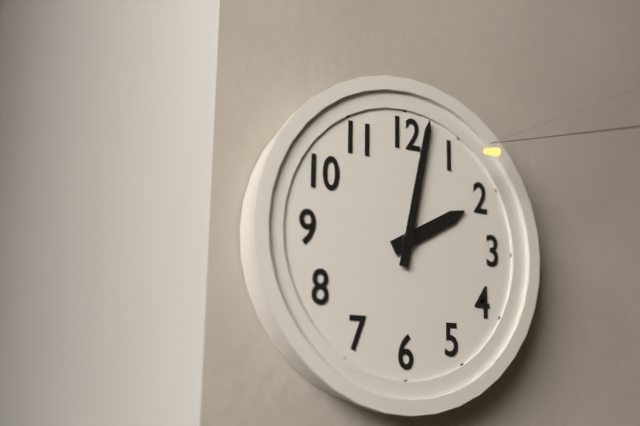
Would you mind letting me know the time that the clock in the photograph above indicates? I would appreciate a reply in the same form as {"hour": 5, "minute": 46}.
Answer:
{"hour": 2, "minute": 2}
